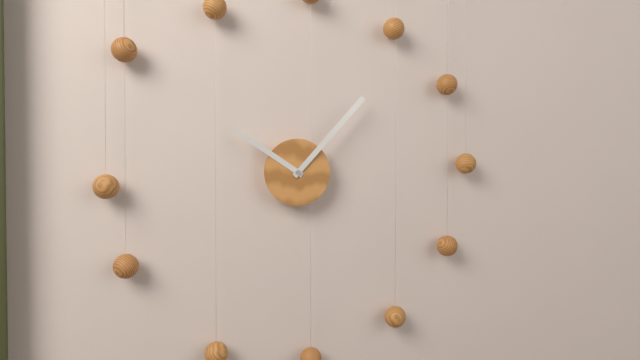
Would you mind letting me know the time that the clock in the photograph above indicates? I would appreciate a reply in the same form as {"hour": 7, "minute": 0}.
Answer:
{"hour": 10, "minute": 7}
